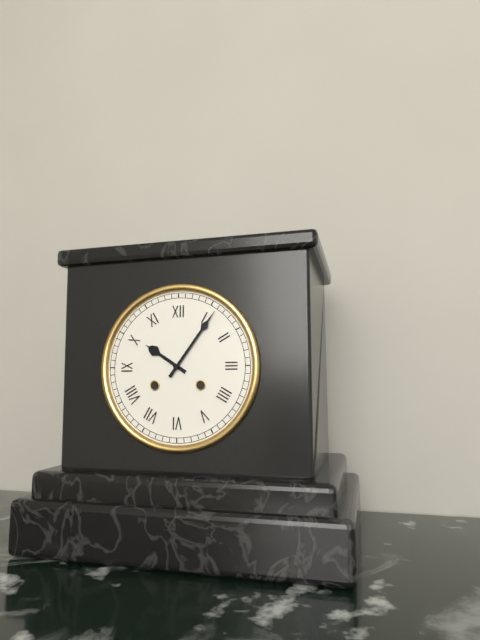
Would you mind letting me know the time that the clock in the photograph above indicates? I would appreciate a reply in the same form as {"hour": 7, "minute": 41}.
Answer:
{"hour": 10, "minute": 6}
